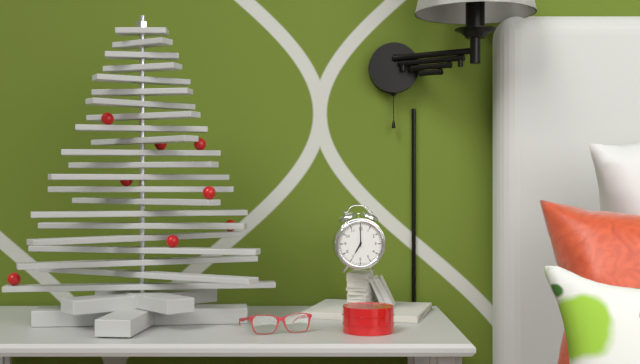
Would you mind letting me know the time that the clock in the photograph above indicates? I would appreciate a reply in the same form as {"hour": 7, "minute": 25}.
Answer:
{"hour": 7, "minute": 0}
